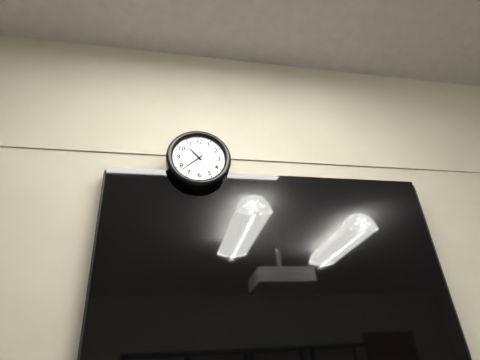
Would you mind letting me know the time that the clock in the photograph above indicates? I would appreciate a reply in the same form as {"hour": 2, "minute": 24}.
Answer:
{"hour": 10, "minute": 38}
